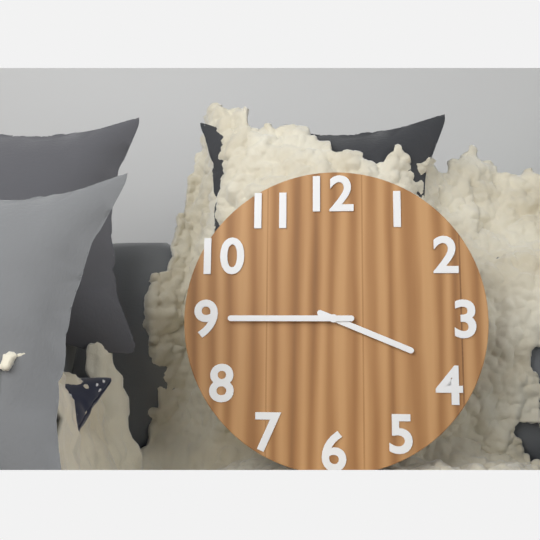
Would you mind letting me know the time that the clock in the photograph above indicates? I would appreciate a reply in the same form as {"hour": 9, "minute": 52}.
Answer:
{"hour": 3, "minute": 45}
